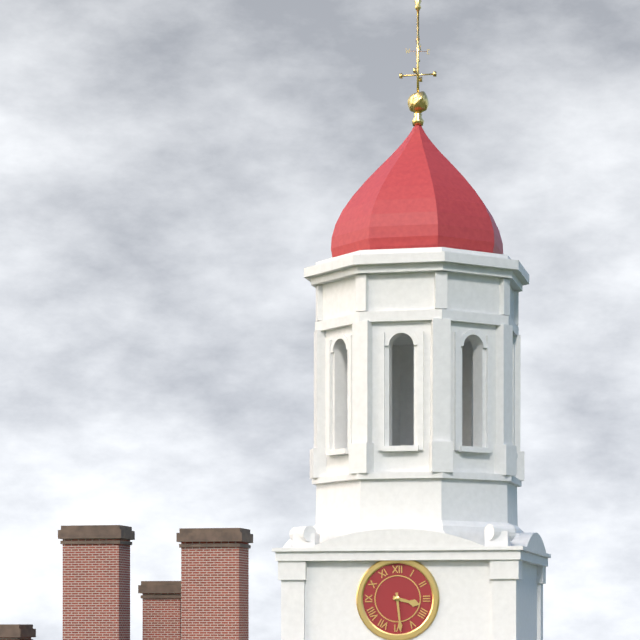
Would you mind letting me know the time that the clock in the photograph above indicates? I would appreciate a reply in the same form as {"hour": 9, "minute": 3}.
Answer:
{"hour": 3, "minute": 29}
